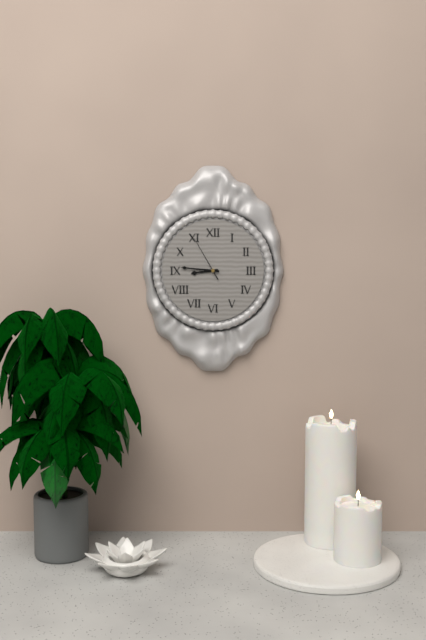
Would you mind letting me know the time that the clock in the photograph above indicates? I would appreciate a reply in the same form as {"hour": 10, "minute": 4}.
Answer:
{"hour": 8, "minute": 46}
